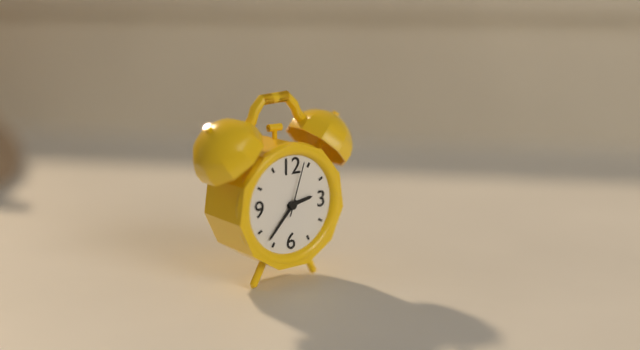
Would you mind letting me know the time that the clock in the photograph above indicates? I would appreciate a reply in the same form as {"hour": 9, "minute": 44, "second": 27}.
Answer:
{"hour": 2, "minute": 37, "second": 3}
